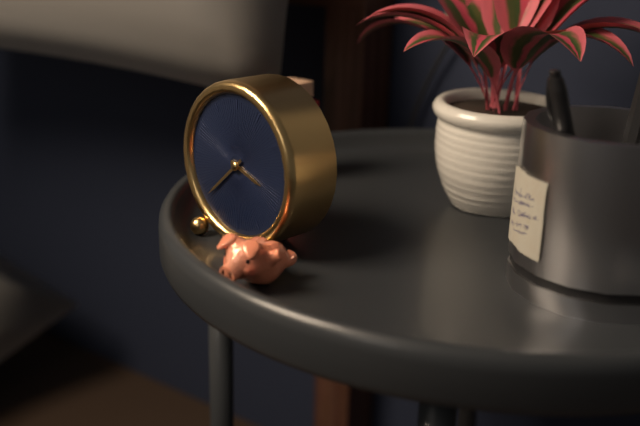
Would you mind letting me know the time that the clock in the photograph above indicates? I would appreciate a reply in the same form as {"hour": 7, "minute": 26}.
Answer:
{"hour": 3, "minute": 38}
